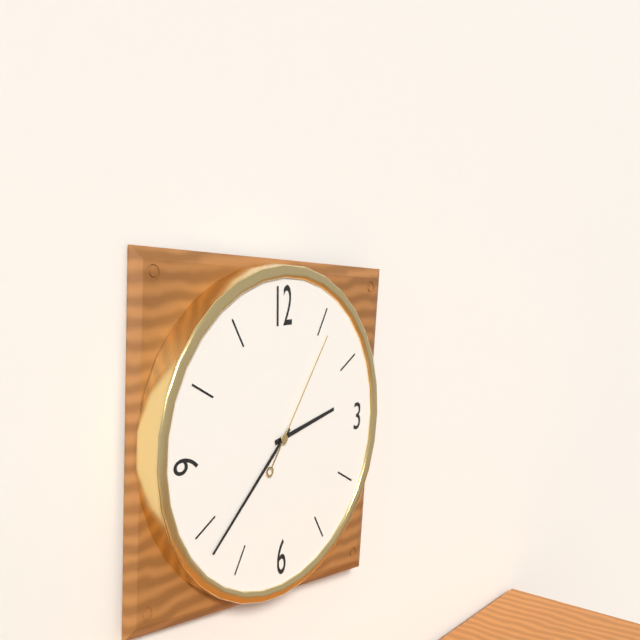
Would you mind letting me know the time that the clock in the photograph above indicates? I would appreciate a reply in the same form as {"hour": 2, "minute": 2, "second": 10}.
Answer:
{"hour": 2, "minute": 38, "second": 6}
